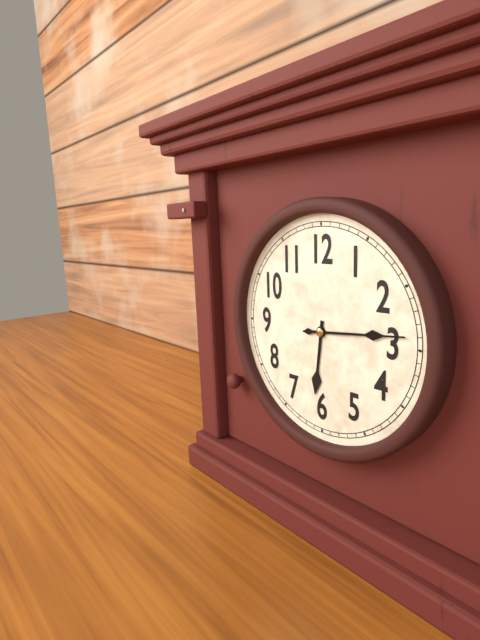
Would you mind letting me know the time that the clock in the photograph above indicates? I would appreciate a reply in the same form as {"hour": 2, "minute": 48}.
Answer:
{"hour": 6, "minute": 14}
